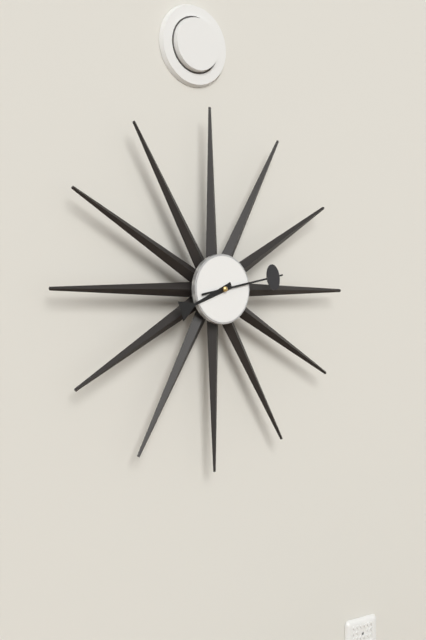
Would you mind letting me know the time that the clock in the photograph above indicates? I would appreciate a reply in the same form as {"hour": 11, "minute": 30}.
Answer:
{"hour": 8, "minute": 13}
